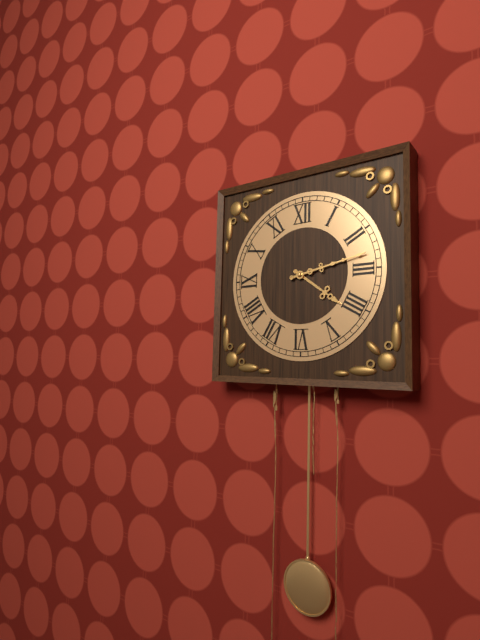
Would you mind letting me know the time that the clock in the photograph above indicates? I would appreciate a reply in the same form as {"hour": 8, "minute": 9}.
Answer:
{"hour": 4, "minute": 13}
